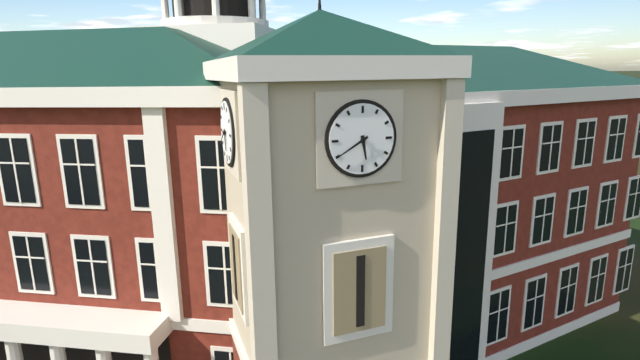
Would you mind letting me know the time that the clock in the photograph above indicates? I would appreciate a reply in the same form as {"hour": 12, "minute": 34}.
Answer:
{"hour": 5, "minute": 40}
